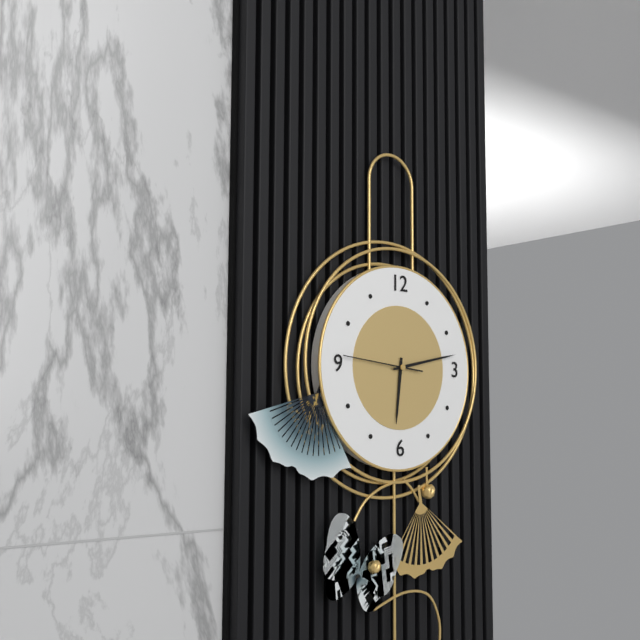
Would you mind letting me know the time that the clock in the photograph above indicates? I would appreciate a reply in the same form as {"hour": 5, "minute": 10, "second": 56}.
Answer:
{"hour": 6, "minute": 13, "second": 46}
